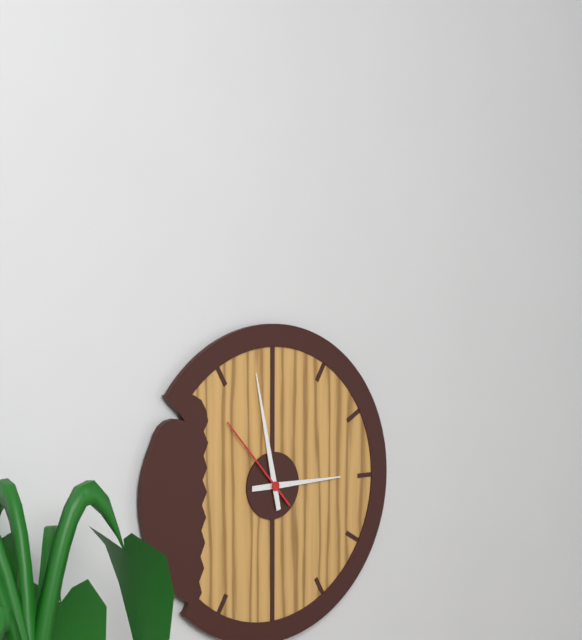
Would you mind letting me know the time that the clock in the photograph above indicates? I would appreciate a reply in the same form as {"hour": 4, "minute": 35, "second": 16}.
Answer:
{"hour": 2, "minute": 58, "second": 53}
